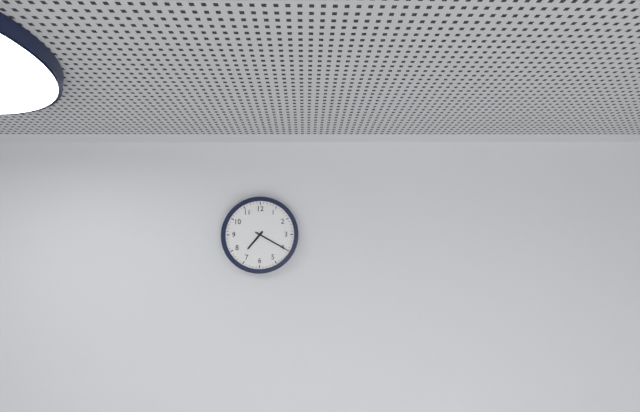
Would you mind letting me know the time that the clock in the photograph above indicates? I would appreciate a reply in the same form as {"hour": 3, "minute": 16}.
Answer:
{"hour": 7, "minute": 20}
